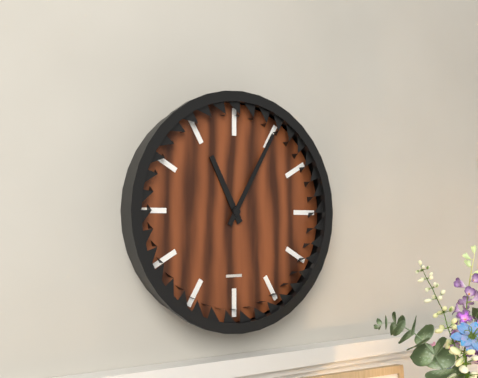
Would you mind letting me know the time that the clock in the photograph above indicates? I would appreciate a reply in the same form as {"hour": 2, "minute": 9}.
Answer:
{"hour": 11, "minute": 5}
